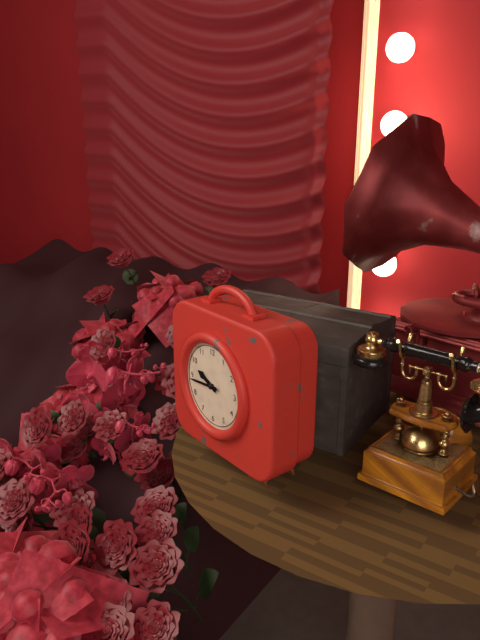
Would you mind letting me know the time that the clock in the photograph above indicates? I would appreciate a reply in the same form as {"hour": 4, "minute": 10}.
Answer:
{"hour": 9, "minute": 44}
